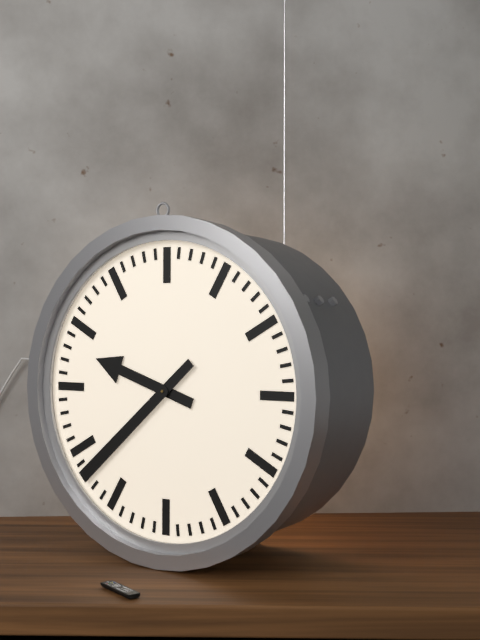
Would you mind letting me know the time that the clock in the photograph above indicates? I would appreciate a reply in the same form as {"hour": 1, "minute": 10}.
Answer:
{"hour": 9, "minute": 38}
